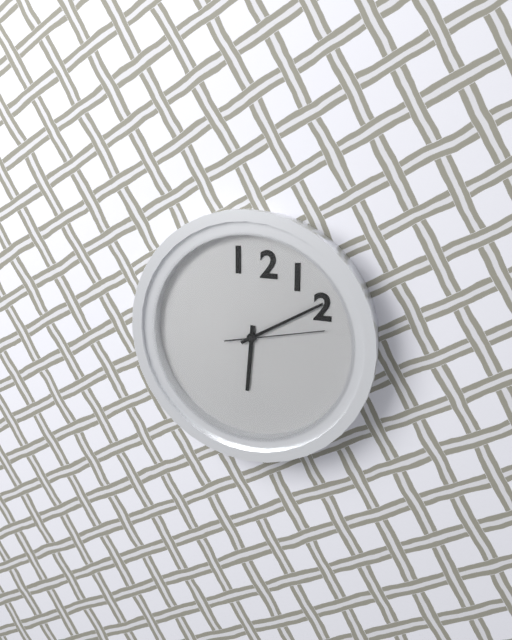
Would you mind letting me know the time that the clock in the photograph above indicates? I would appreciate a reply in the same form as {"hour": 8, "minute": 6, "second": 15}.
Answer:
{"hour": 6, "minute": 10, "second": 13}
